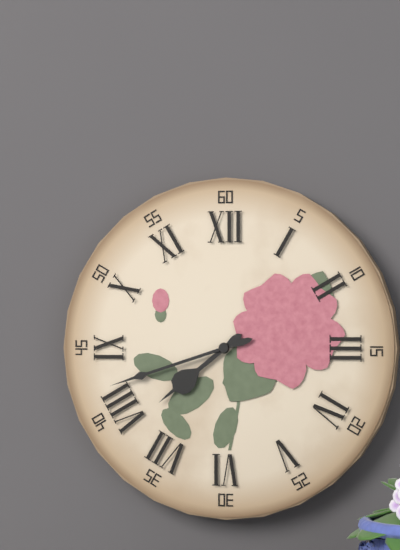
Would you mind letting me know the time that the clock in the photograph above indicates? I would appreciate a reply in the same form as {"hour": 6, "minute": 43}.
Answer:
{"hour": 7, "minute": 42}
